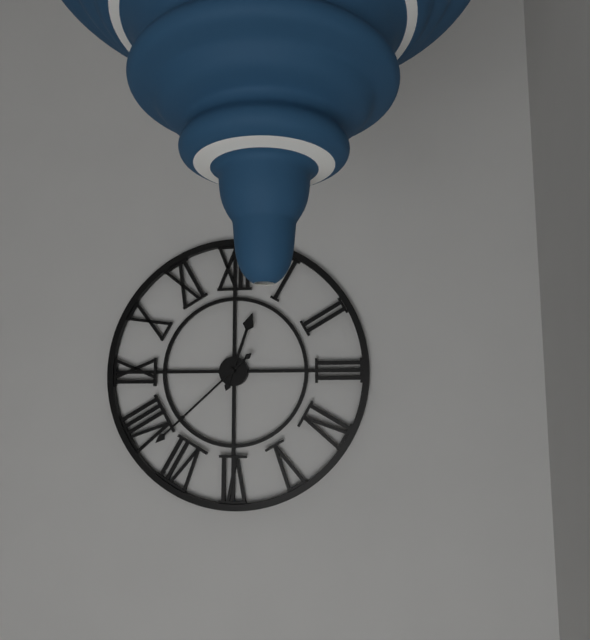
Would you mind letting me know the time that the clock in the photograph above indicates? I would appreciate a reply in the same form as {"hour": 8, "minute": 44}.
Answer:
{"hour": 12, "minute": 38}
